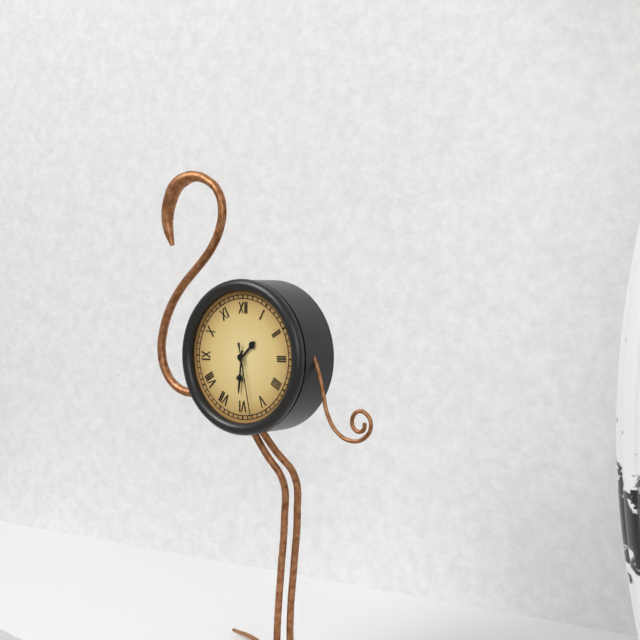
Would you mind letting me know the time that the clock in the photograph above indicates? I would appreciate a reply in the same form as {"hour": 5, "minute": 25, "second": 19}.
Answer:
{"hour": 1, "minute": 31, "second": 28}
